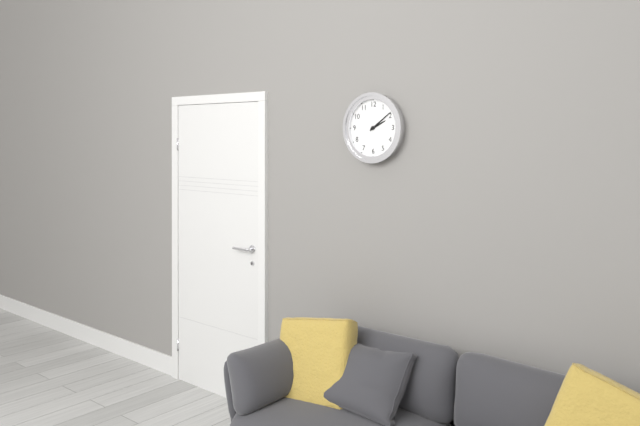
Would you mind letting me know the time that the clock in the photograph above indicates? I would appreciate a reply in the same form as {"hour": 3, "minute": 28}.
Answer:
{"hour": 2, "minute": 9}
